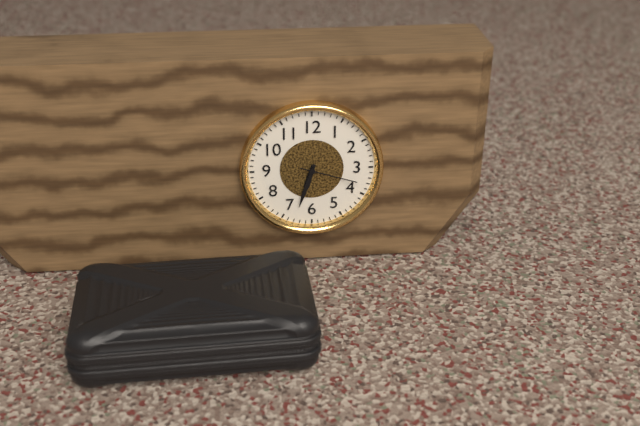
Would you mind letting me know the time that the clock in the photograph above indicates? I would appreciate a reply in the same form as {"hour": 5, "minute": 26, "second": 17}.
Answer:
{"hour": 6, "minute": 33, "second": 18}
